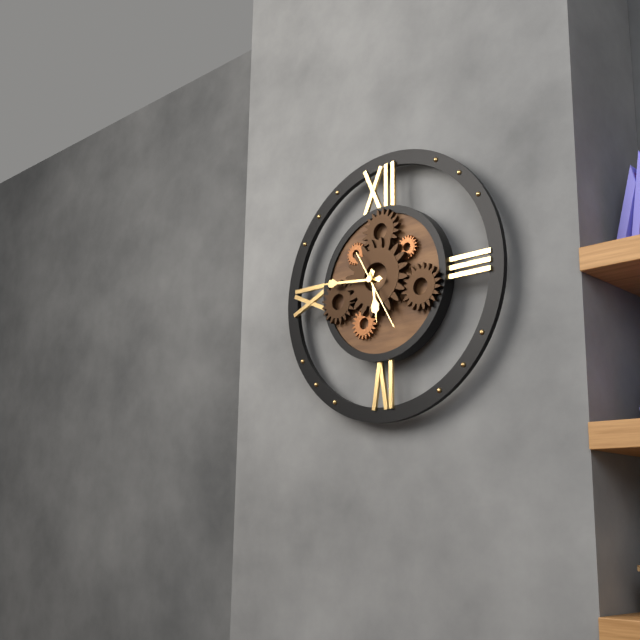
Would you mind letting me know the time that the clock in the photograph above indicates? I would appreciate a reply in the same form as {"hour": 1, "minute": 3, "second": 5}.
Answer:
{"hour": 5, "minute": 46, "second": 25}
